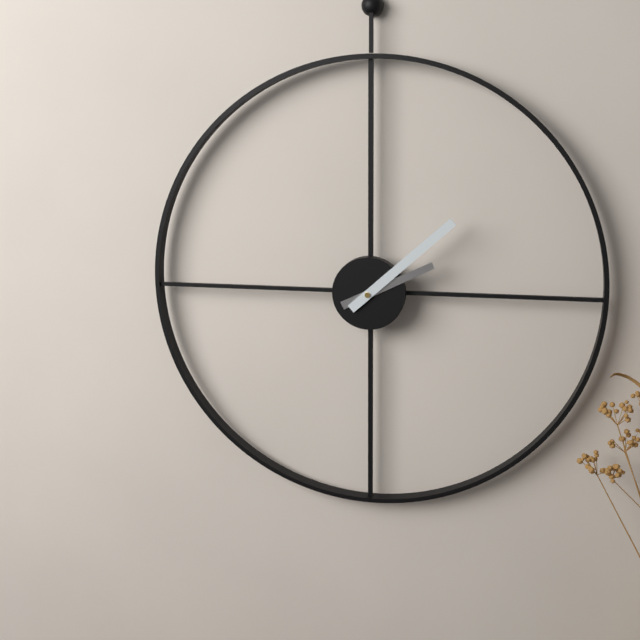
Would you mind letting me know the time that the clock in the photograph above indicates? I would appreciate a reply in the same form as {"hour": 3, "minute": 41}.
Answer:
{"hour": 2, "minute": 8}
